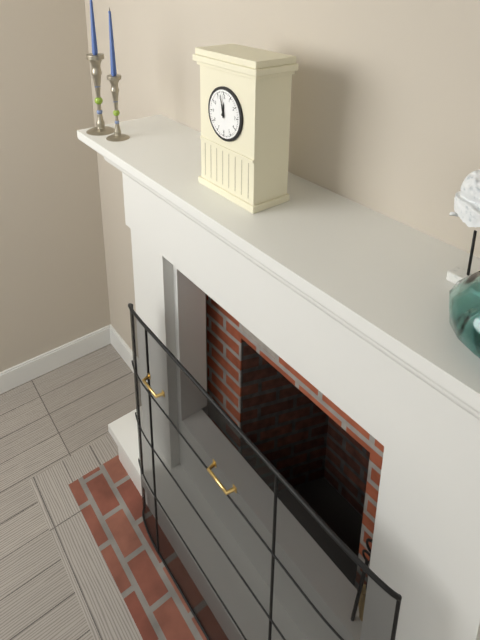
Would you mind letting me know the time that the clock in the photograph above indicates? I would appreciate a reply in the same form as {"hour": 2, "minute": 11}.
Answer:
{"hour": 11, "minute": 58}
